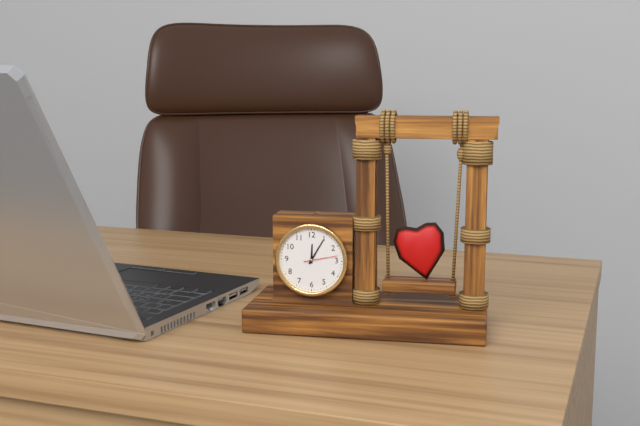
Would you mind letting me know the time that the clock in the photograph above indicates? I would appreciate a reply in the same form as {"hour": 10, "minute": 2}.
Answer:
{"hour": 12, "minute": 5}
